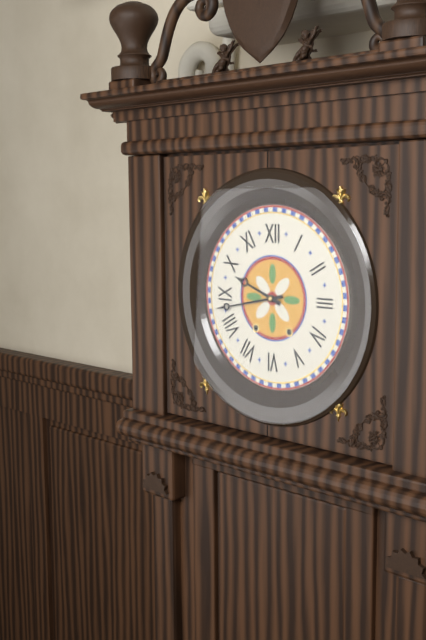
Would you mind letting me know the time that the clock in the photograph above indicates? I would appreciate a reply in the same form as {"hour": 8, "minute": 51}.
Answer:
{"hour": 9, "minute": 43}
